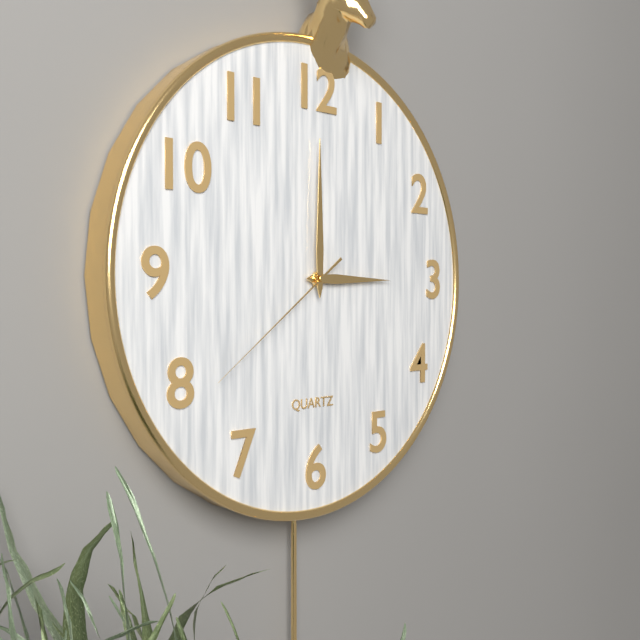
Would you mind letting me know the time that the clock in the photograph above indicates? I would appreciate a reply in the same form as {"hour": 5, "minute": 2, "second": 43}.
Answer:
{"hour": 3, "minute": 0, "second": 39}
